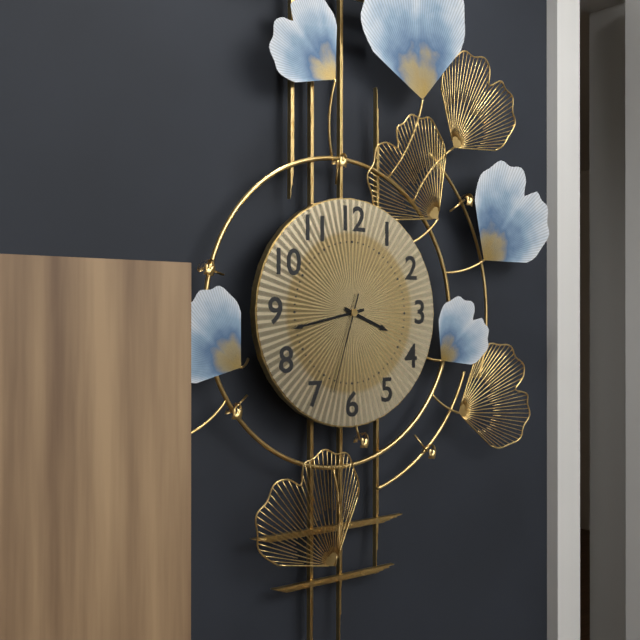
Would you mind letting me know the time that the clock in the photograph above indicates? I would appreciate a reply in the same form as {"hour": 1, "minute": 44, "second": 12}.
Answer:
{"hour": 3, "minute": 43, "second": 33}
